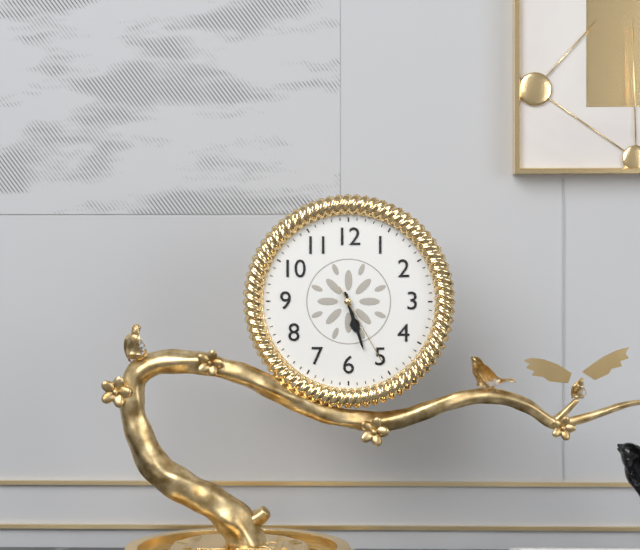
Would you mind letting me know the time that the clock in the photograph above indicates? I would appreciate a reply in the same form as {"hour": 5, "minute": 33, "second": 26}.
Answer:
{"hour": 5, "minute": 27, "second": 25}
